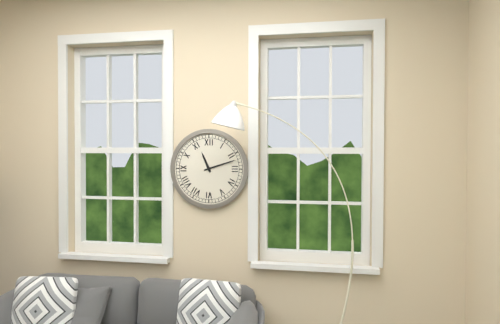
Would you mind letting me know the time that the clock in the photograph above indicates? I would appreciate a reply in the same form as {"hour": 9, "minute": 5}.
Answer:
{"hour": 11, "minute": 12}
